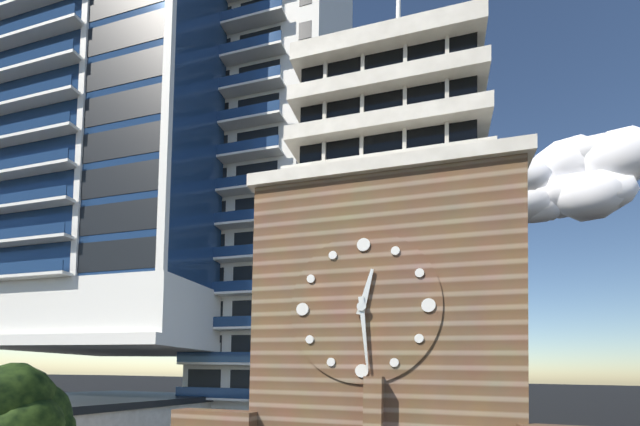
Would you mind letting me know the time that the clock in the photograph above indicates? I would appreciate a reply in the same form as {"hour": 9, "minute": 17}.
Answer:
{"hour": 12, "minute": 29}
